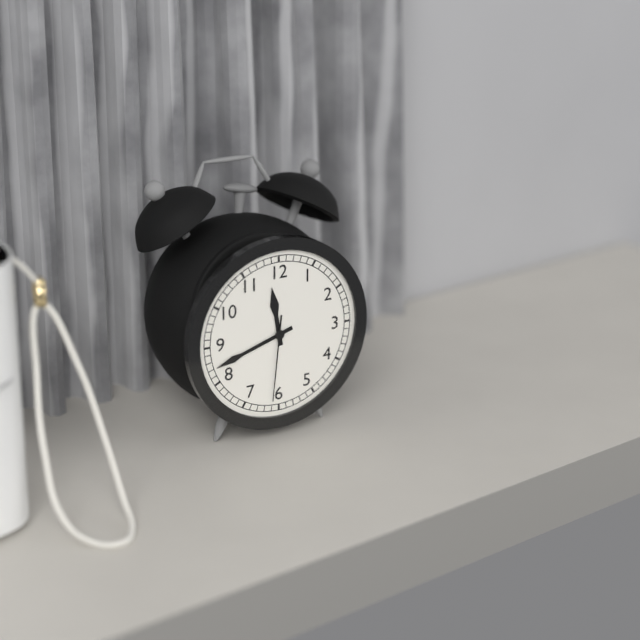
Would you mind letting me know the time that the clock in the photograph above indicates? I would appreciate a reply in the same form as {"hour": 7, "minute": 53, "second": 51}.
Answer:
{"hour": 11, "minute": 42, "second": 31}
